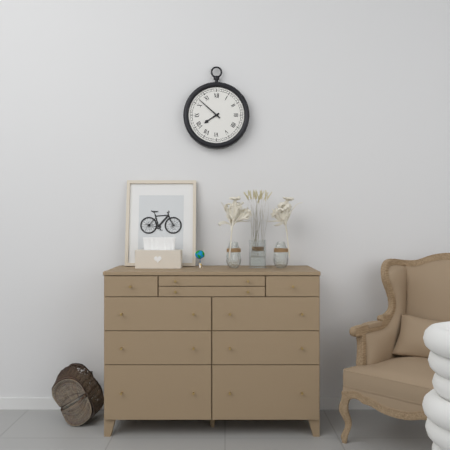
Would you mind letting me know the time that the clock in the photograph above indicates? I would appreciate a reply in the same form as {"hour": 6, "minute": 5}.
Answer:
{"hour": 7, "minute": 52}
